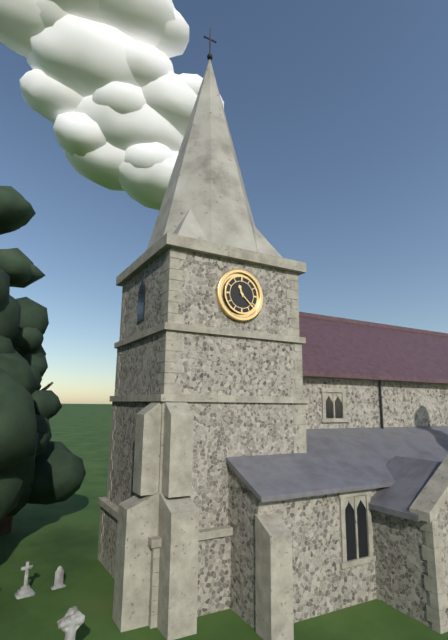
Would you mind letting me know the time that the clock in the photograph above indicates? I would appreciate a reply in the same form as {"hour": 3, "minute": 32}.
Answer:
{"hour": 11, "minute": 22}
